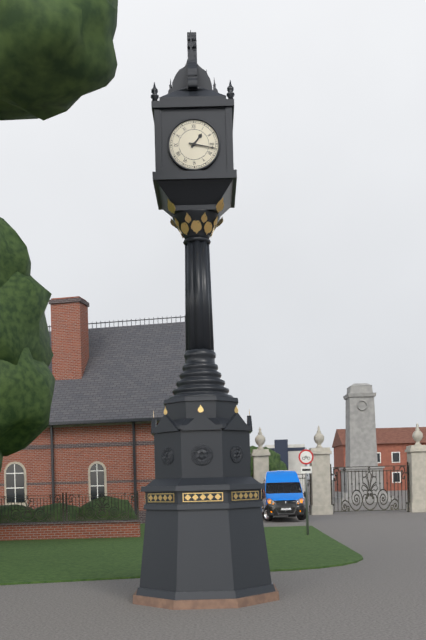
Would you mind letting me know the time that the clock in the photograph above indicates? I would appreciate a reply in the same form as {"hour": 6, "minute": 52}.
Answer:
{"hour": 1, "minute": 17}
